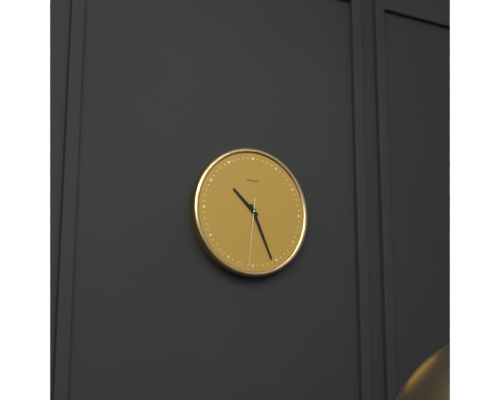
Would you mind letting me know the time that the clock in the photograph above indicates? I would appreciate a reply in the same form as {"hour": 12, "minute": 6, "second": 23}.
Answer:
{"hour": 10, "minute": 26, "second": 31}
